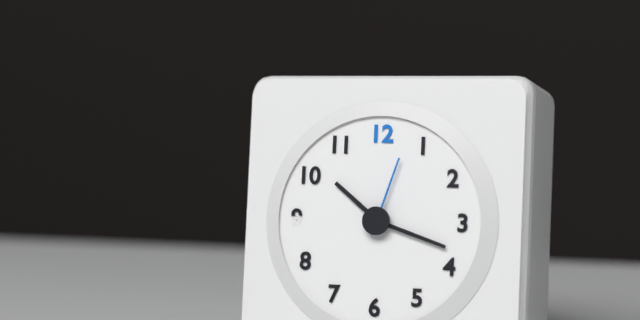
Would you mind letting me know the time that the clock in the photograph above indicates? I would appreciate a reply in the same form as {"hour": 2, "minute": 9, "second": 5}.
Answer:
{"hour": 10, "minute": 18, "second": 3}
